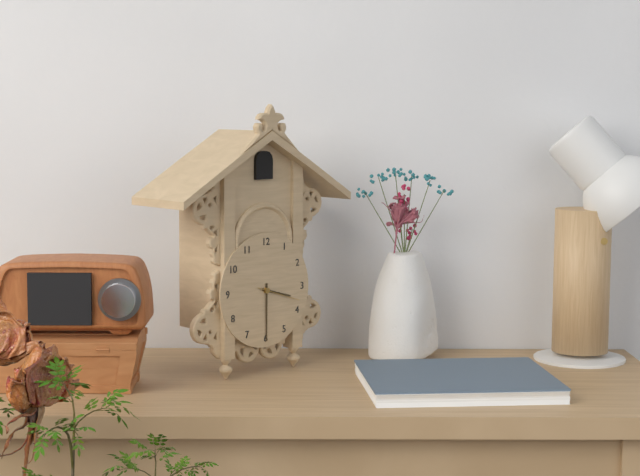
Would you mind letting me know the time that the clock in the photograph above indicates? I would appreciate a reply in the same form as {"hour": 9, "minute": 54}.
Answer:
{"hour": 3, "minute": 30}
